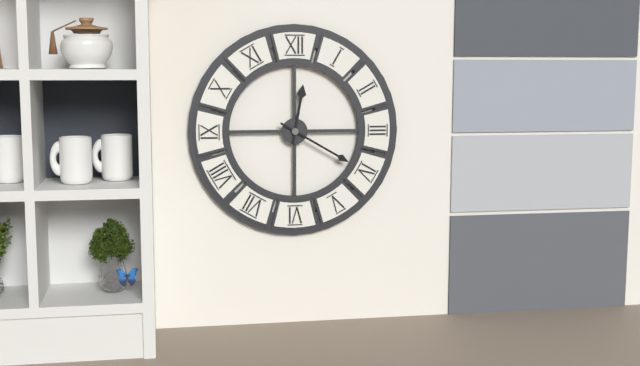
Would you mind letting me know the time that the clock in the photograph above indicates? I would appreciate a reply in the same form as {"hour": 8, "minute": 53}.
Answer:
{"hour": 12, "minute": 20}
